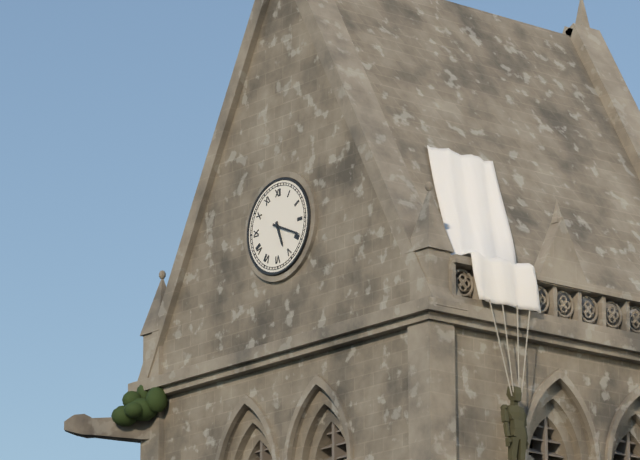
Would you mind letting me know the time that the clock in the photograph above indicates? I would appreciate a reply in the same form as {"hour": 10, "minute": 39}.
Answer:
{"hour": 5, "minute": 19}
